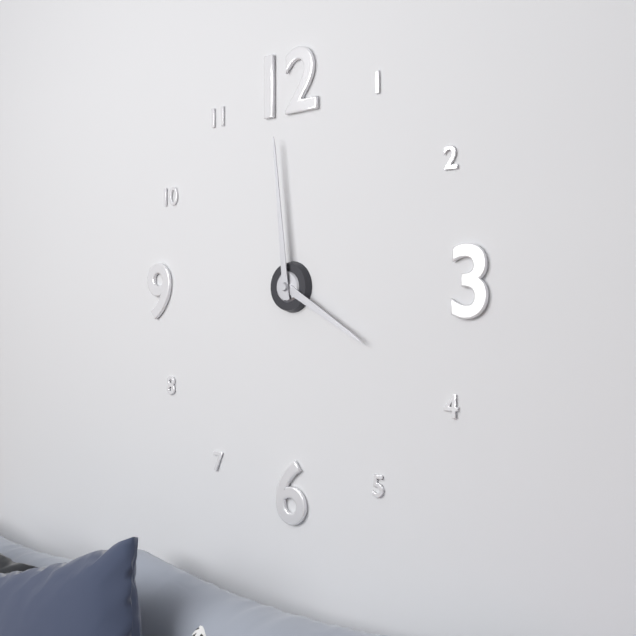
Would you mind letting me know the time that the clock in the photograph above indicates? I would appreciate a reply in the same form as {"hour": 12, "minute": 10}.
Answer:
{"hour": 3, "minute": 59}
